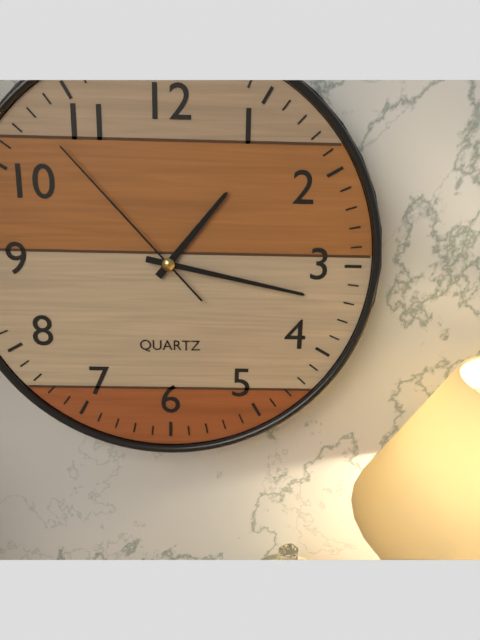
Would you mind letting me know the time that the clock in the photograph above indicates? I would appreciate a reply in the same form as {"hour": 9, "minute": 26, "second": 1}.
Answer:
{"hour": 1, "minute": 17, "second": 53}
